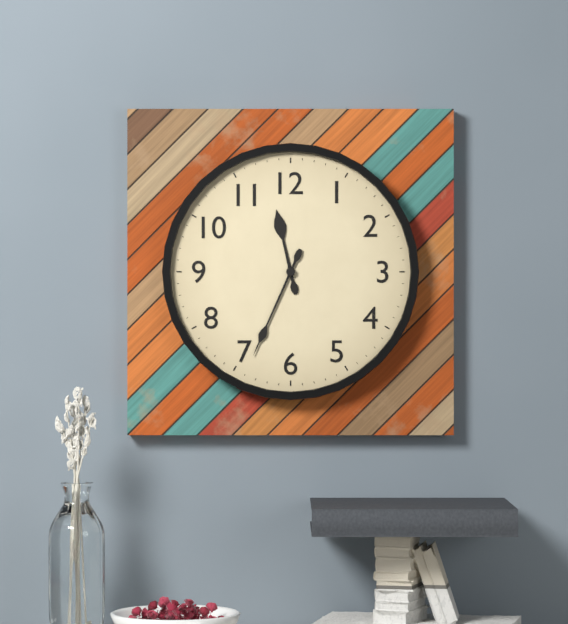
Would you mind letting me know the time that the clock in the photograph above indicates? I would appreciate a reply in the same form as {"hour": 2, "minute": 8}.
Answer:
{"hour": 11, "minute": 34}
